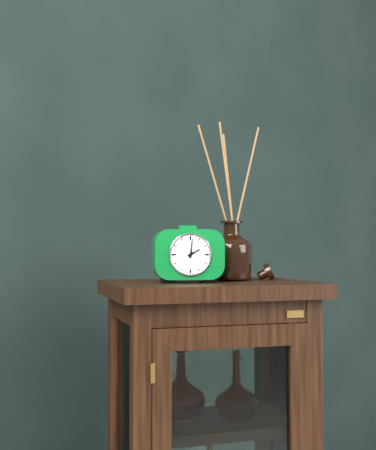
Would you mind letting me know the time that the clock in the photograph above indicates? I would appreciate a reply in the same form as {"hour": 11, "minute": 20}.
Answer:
{"hour": 2, "minute": 1}
